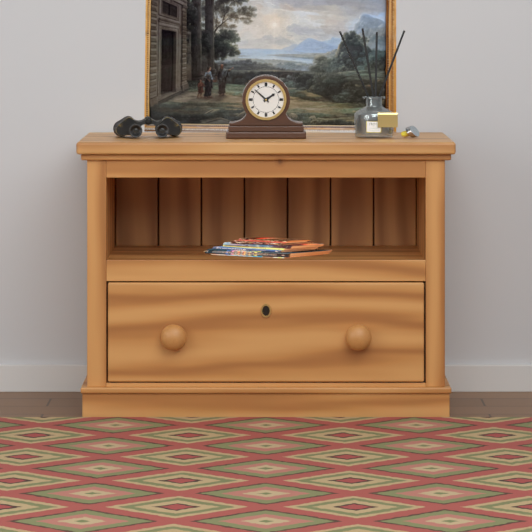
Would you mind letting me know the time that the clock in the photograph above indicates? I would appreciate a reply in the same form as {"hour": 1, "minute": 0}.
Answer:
{"hour": 1, "minute": 52}
